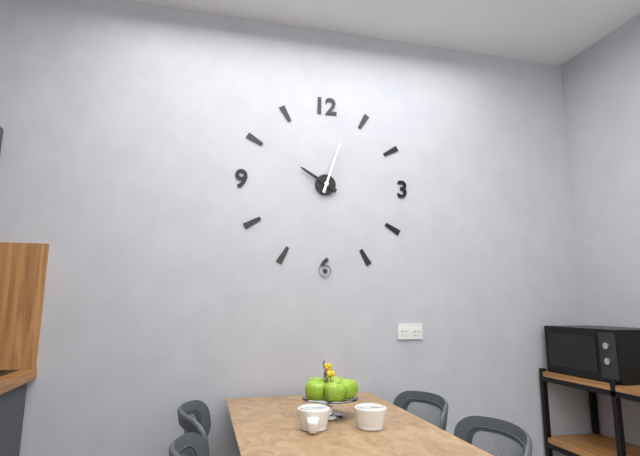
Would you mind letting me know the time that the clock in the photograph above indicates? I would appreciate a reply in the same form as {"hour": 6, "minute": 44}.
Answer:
{"hour": 10, "minute": 3}
